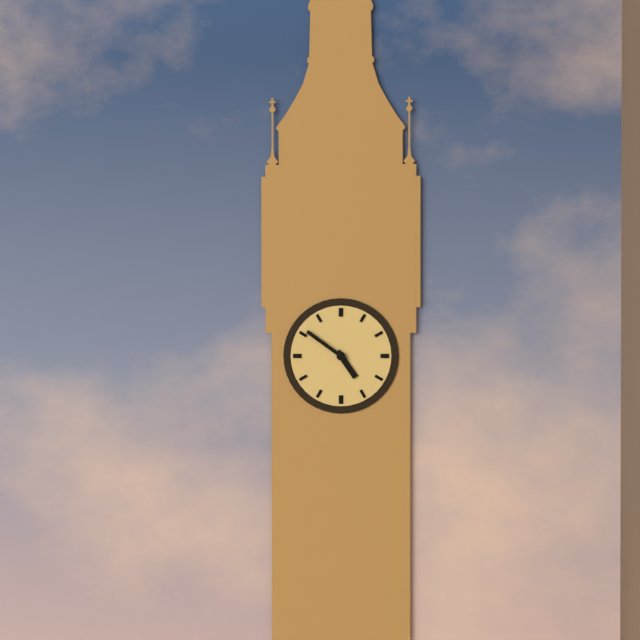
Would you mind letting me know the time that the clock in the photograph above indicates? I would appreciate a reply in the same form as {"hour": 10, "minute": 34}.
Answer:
{"hour": 4, "minute": 51}
